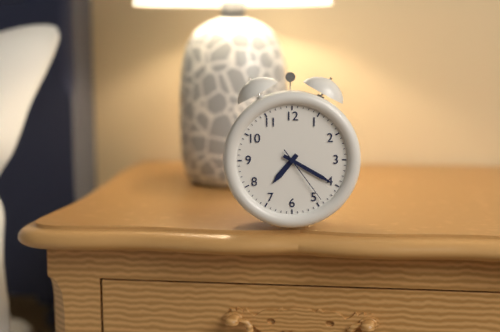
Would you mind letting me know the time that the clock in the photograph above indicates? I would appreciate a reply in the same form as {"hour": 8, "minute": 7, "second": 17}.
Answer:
{"hour": 7, "minute": 20, "second": 24}
